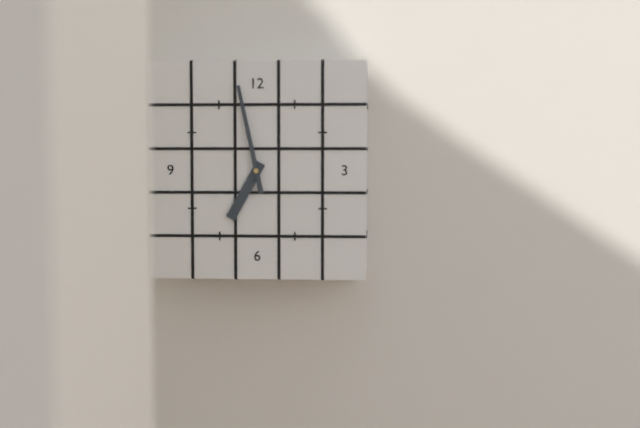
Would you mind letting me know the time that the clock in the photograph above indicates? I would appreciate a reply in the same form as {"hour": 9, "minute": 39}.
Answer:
{"hour": 6, "minute": 58}
